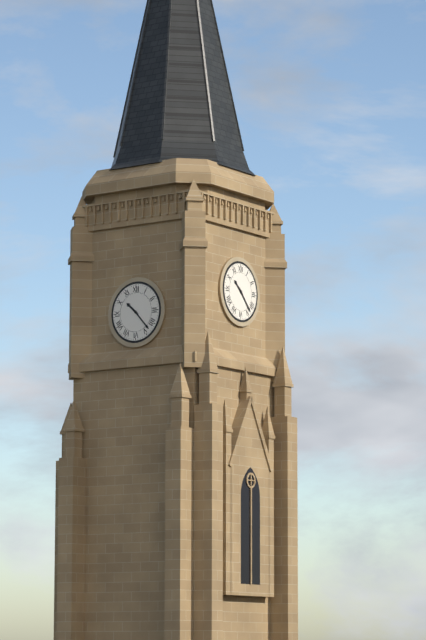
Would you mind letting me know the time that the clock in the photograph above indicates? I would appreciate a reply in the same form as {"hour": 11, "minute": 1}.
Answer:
{"hour": 10, "minute": 23}
